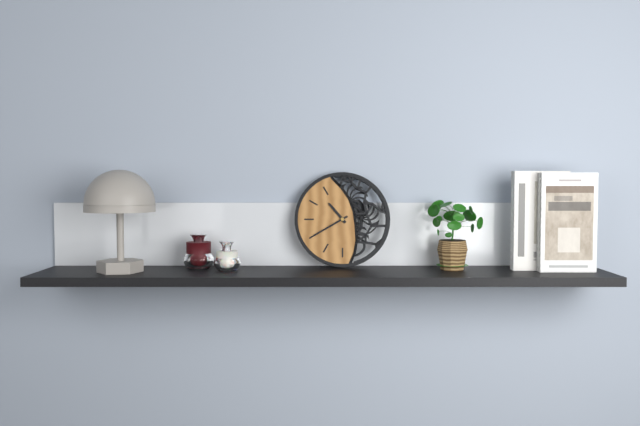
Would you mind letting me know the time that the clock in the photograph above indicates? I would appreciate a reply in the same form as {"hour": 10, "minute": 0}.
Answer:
{"hour": 10, "minute": 40}
